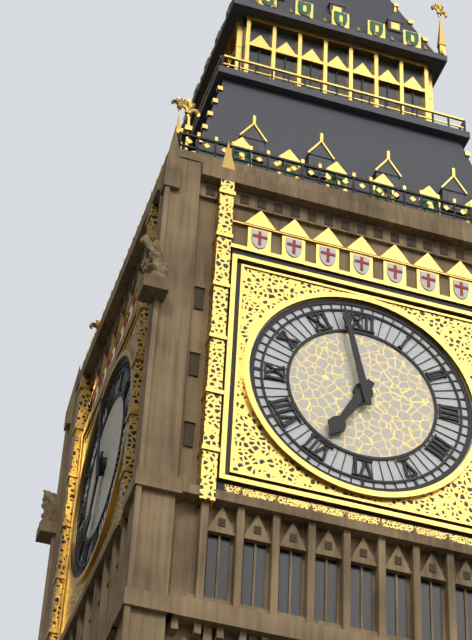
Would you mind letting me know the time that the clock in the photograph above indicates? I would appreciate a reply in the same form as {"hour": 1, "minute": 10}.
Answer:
{"hour": 6, "minute": 58}
